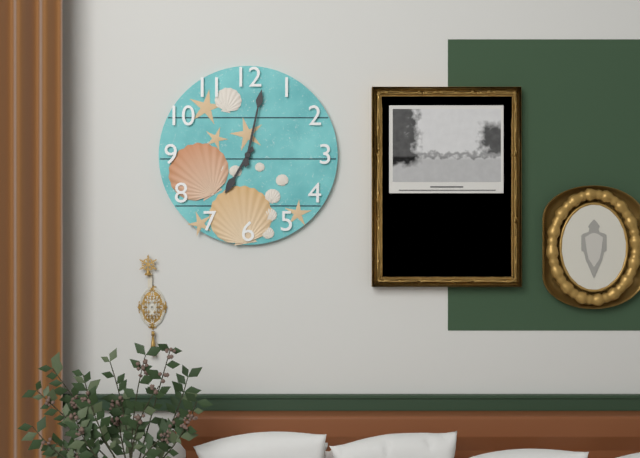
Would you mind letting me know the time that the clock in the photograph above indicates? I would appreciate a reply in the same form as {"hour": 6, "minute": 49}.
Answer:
{"hour": 7, "minute": 2}
